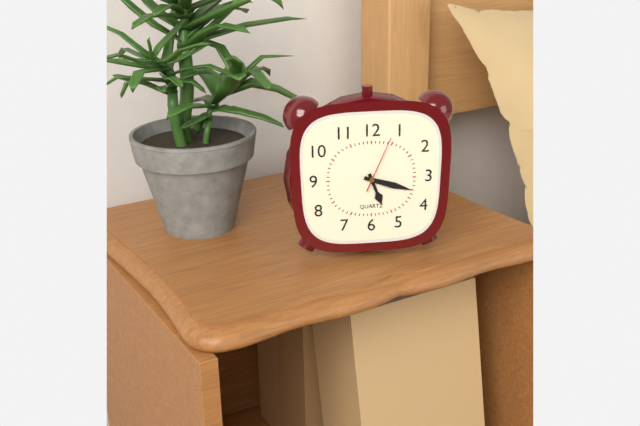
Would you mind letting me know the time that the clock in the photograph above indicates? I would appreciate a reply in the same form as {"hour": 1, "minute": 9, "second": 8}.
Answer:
{"hour": 5, "minute": 18, "second": 4}
